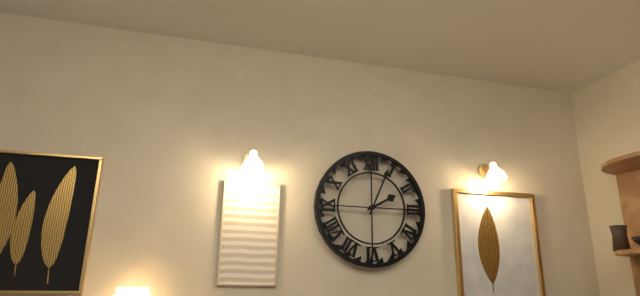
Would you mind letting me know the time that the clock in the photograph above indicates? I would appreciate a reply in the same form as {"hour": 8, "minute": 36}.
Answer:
{"hour": 2, "minute": 4}
